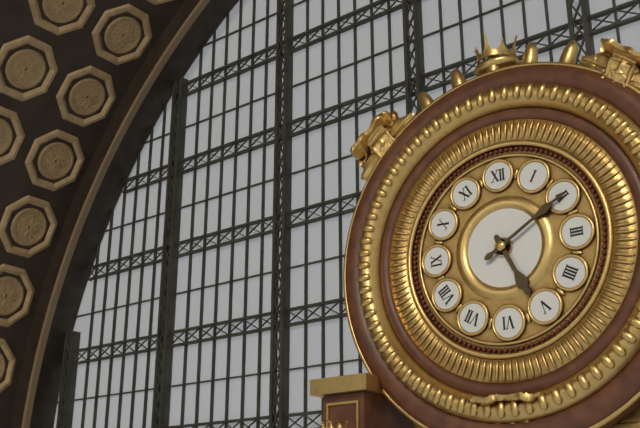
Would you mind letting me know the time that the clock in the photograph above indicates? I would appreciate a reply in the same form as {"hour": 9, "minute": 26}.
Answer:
{"hour": 5, "minute": 10}
